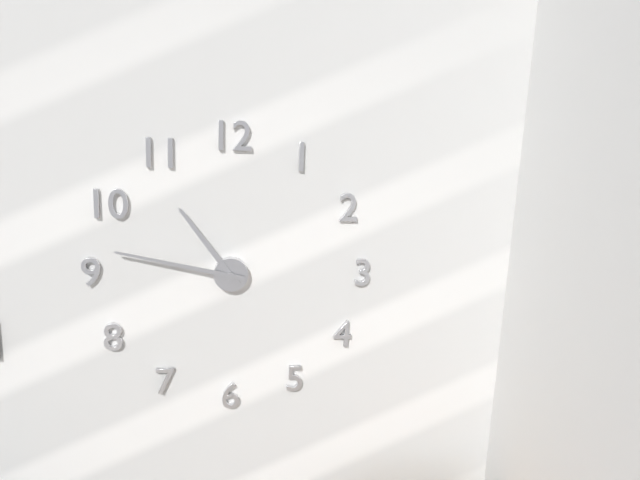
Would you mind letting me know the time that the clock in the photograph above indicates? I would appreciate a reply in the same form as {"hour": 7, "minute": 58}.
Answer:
{"hour": 10, "minute": 47}
